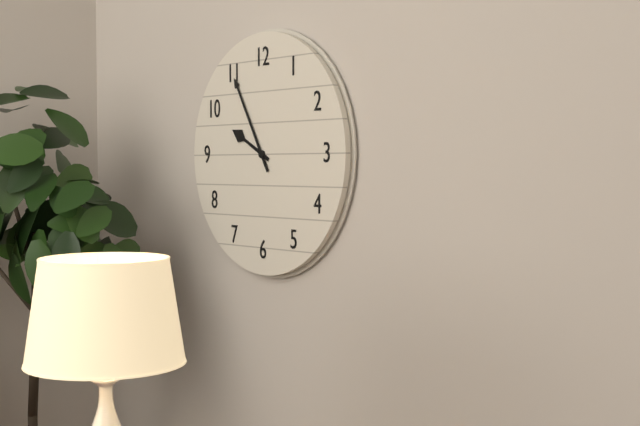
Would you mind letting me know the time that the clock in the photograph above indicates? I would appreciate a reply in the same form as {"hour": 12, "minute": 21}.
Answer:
{"hour": 9, "minute": 55}
